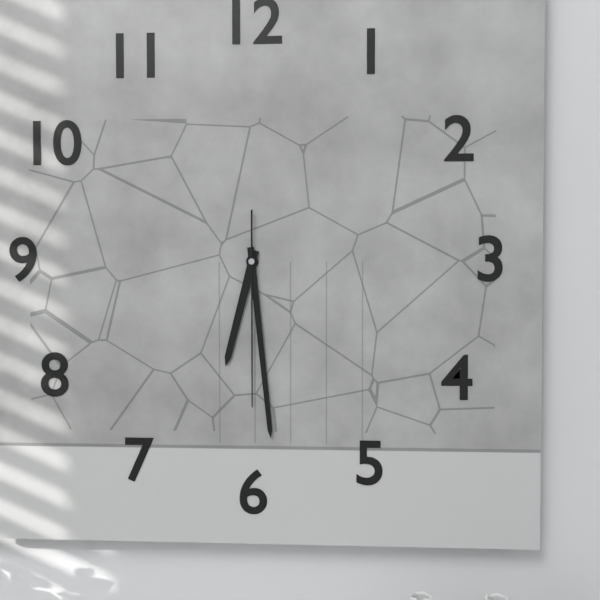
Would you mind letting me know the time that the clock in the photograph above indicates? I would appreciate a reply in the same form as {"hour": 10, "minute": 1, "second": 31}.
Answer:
{"hour": 6, "minute": 29, "second": 30}
